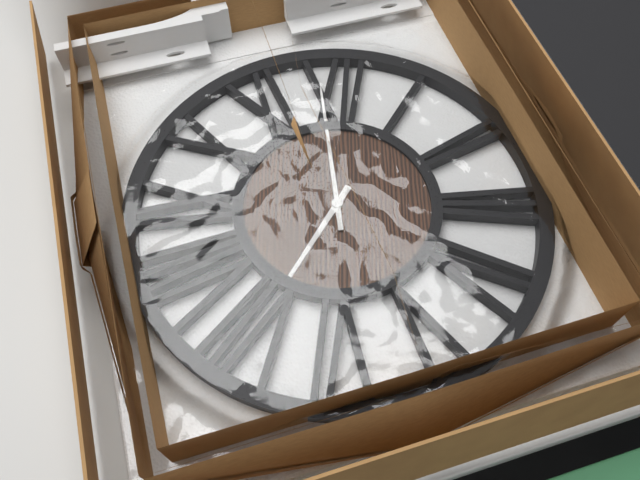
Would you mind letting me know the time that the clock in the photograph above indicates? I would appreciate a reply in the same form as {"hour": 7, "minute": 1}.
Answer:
{"hour": 6, "minute": 59}
